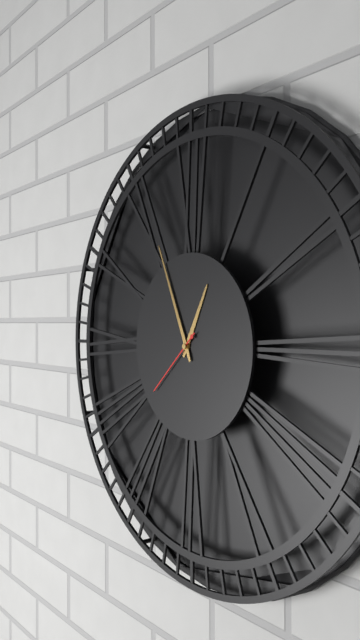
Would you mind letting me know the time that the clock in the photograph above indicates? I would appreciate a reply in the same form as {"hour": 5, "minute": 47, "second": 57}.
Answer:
{"hour": 12, "minute": 56, "second": 38}
